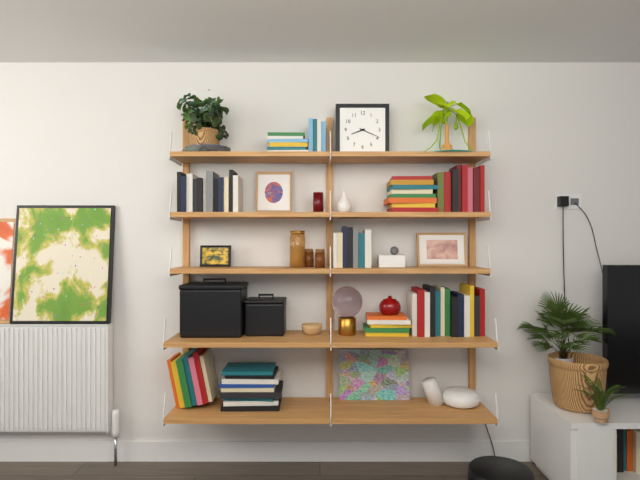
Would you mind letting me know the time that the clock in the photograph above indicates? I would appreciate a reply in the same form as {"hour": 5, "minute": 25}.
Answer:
{"hour": 8, "minute": 19}
